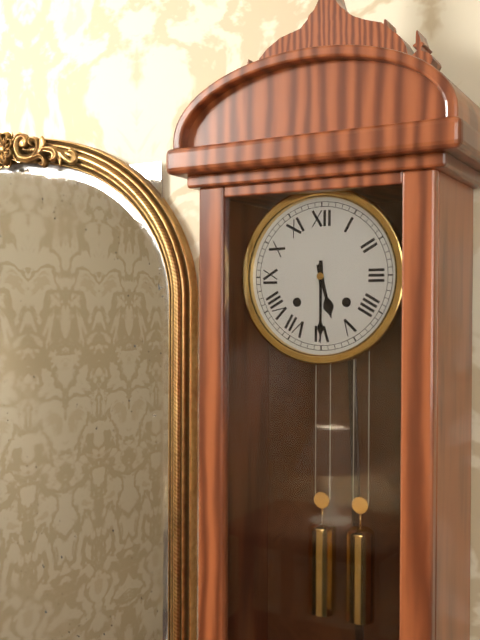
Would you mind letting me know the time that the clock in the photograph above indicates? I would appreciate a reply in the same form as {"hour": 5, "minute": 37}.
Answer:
{"hour": 5, "minute": 30}
